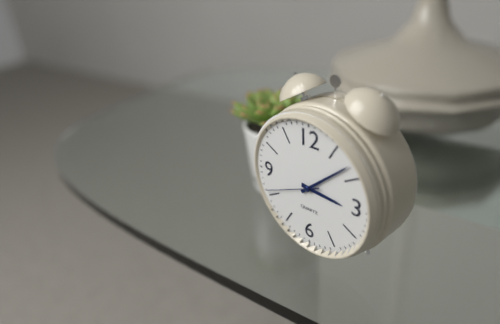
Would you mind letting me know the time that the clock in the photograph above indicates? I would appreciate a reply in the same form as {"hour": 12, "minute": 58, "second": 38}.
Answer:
{"hour": 3, "minute": 8, "second": 41}
